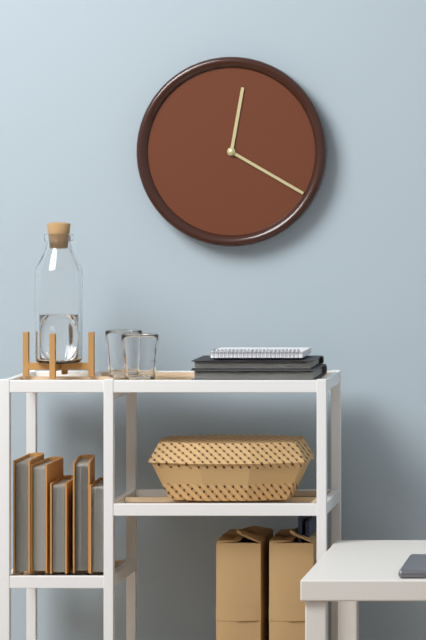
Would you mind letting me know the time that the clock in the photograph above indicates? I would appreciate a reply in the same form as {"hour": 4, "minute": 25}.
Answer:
{"hour": 12, "minute": 20}
